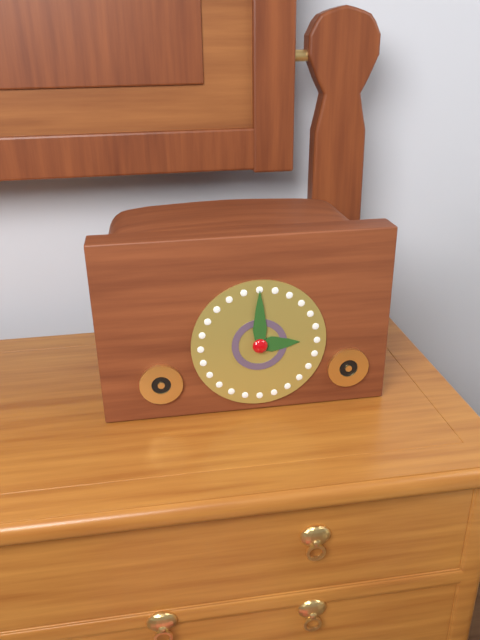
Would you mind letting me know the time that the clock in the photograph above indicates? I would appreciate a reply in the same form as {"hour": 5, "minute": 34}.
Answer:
{"hour": 3, "minute": 0}
